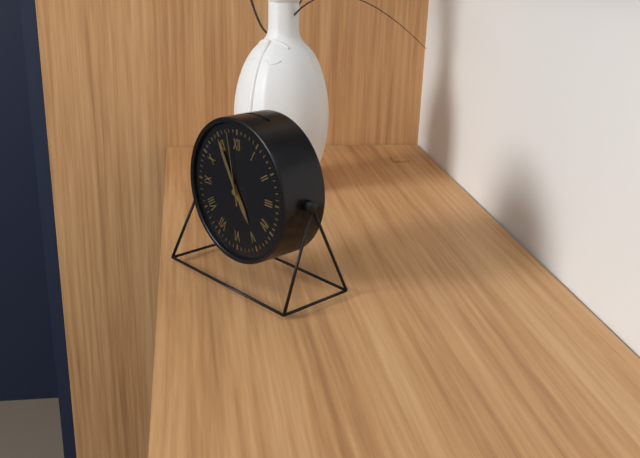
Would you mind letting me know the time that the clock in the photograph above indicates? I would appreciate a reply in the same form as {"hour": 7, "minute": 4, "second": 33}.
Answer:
{"hour": 4, "minute": 55, "second": 58}
